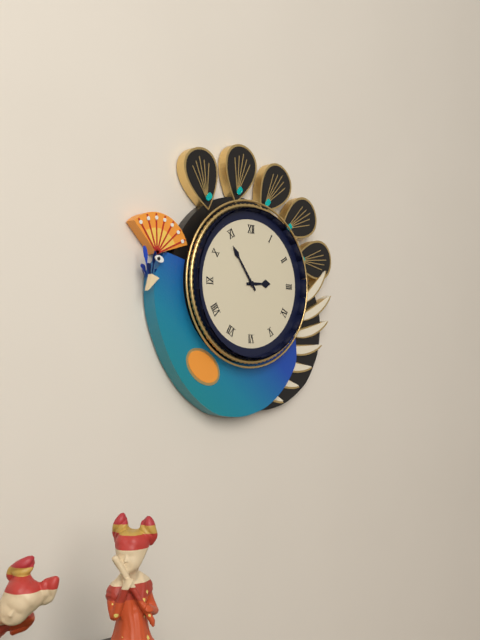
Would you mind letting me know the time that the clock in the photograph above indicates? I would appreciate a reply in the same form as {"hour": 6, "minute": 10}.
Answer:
{"hour": 2, "minute": 54}
